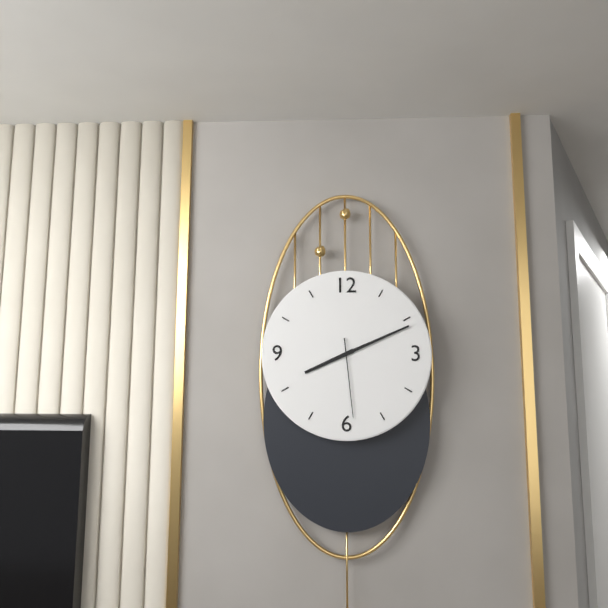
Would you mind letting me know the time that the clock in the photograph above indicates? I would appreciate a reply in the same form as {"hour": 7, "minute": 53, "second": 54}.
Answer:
{"hour": 8, "minute": 11, "second": 29}
